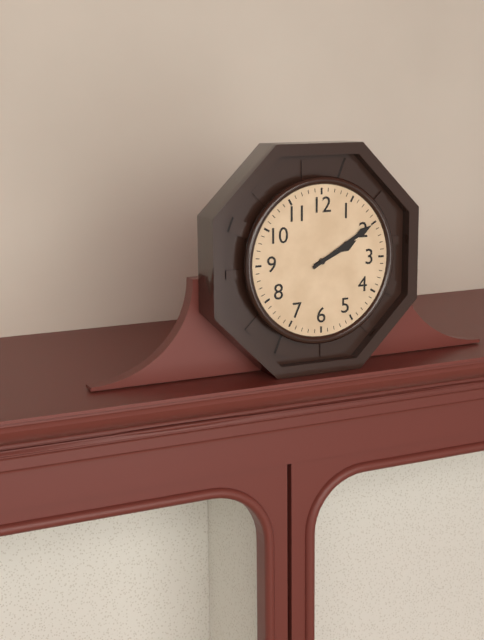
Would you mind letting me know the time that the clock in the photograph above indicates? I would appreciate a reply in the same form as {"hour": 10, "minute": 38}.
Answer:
{"hour": 2, "minute": 10}
